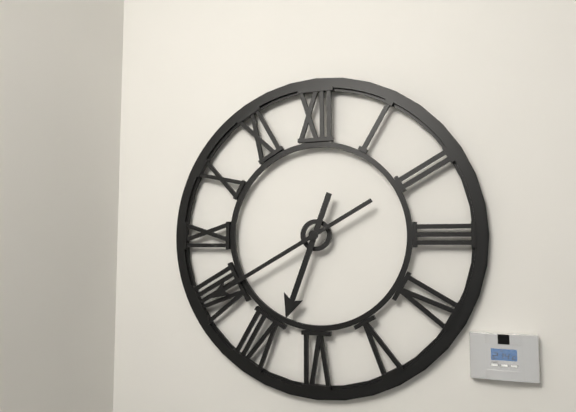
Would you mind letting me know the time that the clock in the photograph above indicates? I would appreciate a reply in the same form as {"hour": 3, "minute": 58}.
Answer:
{"hour": 6, "minute": 40}
